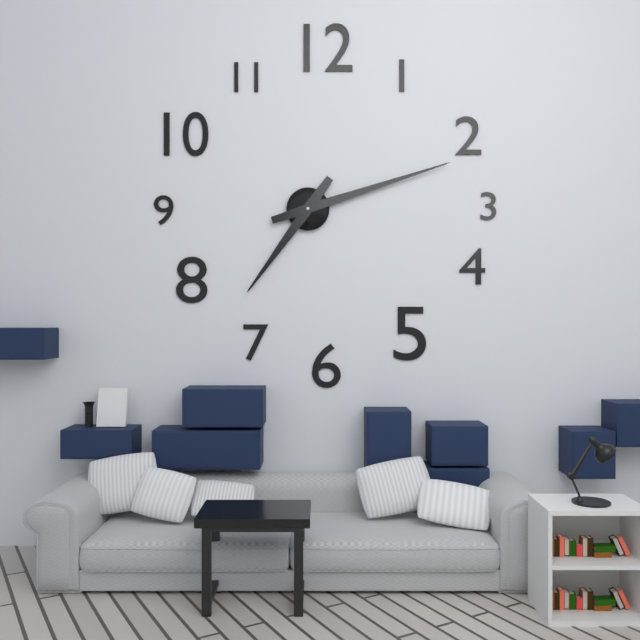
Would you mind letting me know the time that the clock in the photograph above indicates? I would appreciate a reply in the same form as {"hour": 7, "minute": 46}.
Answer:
{"hour": 7, "minute": 12}
